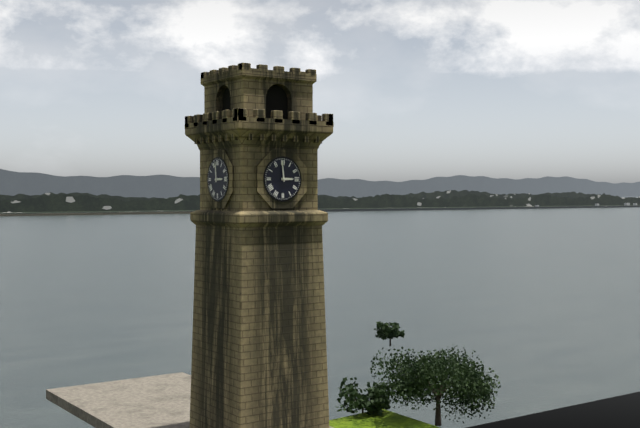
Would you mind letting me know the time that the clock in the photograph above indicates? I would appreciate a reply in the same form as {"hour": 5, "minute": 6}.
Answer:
{"hour": 2, "minute": 59}
